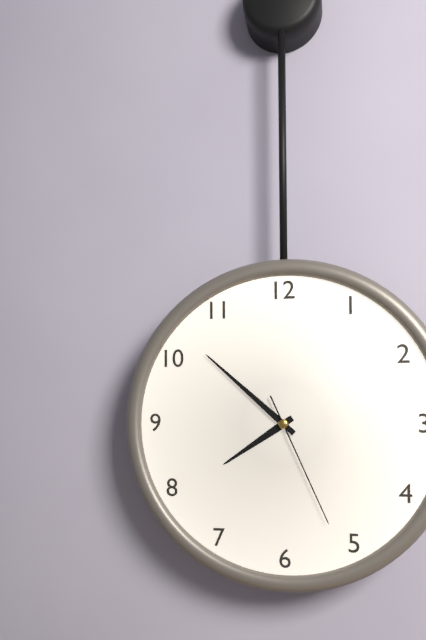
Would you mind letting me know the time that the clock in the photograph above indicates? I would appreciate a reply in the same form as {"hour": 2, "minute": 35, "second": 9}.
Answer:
{"hour": 7, "minute": 52, "second": 26}
